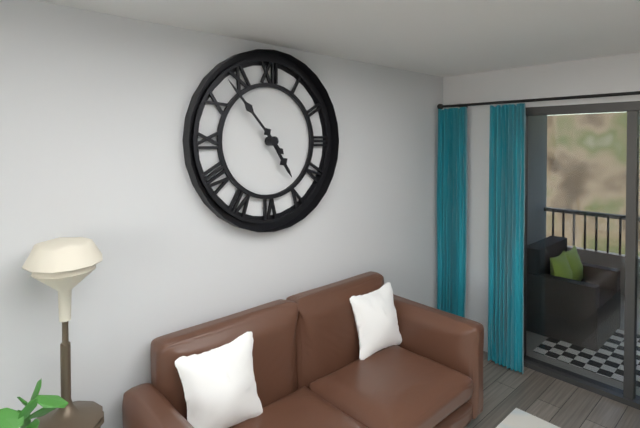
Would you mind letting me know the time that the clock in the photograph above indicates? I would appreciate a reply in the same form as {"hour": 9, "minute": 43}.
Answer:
{"hour": 4, "minute": 53}
